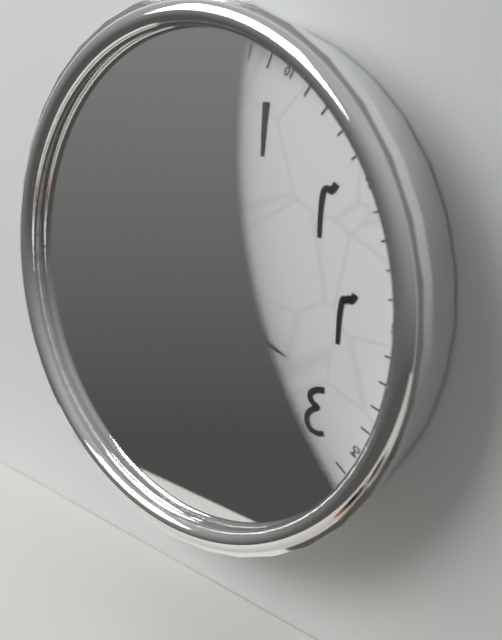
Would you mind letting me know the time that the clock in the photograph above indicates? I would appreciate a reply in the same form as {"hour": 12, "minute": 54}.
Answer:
{"hour": 3, "minute": 40}
